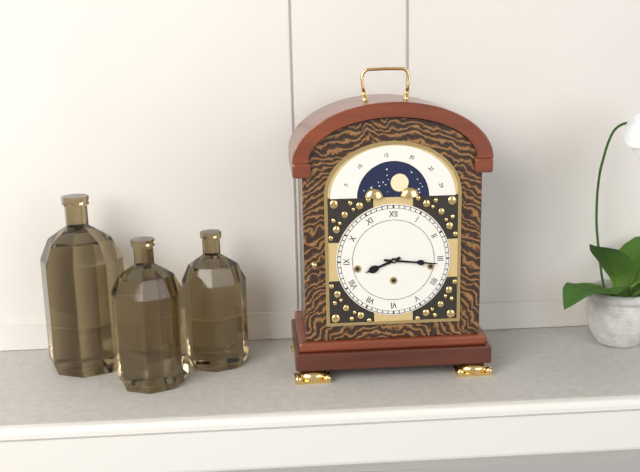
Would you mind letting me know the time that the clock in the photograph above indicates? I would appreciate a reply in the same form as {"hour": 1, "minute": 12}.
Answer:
{"hour": 8, "minute": 16}
